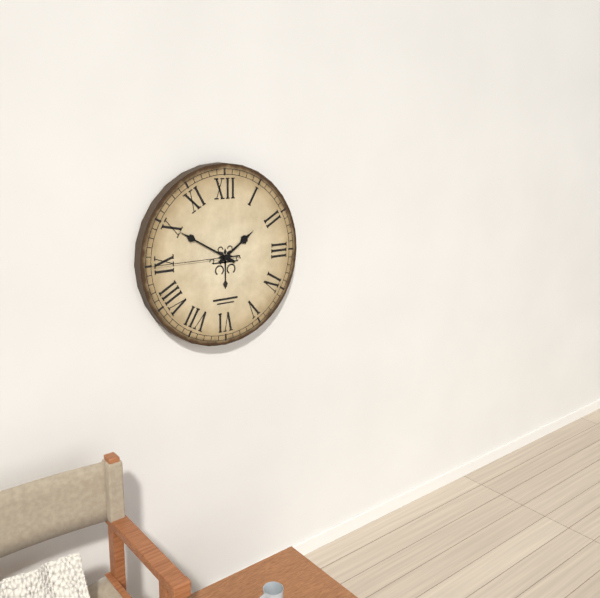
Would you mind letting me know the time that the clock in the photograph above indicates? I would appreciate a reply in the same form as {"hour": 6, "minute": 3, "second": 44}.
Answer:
{"hour": 1, "minute": 50, "second": 45}
